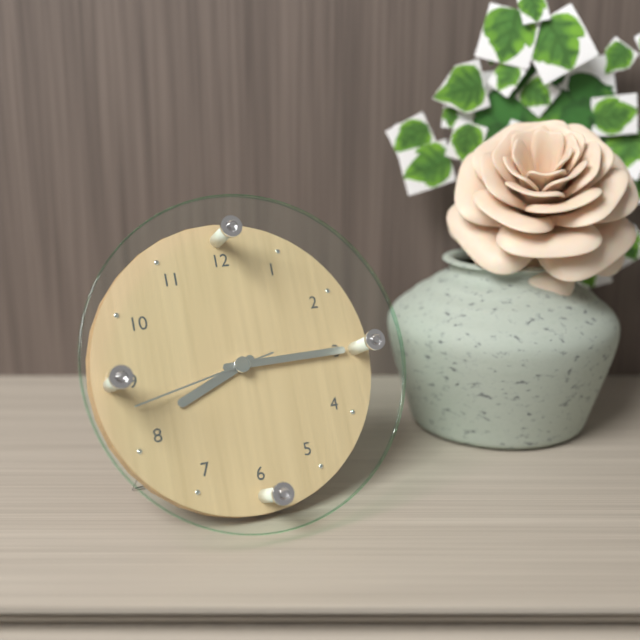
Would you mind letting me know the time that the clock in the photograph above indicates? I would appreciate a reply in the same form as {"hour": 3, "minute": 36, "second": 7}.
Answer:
{"hour": 8, "minute": 15, "second": 43}
